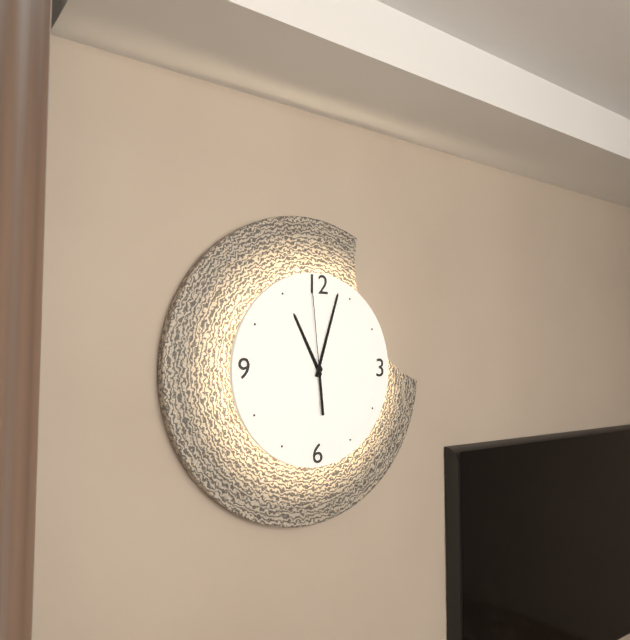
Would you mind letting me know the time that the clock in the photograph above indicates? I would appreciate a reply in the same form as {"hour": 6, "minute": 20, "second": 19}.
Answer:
{"hour": 11, "minute": 3, "second": 59}
